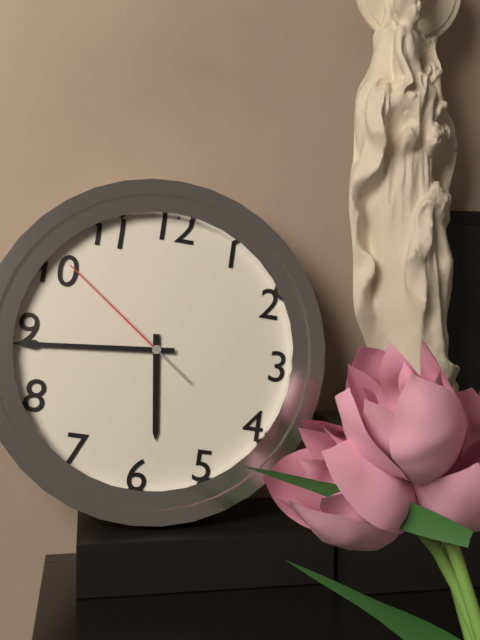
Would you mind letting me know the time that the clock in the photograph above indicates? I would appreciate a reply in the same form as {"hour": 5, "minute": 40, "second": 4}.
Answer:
{"hour": 5, "minute": 44, "second": 51}
